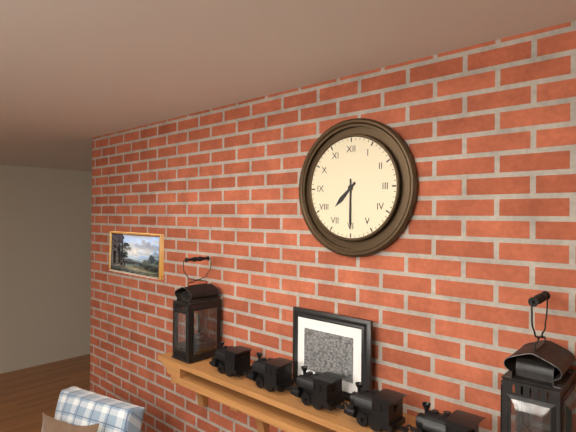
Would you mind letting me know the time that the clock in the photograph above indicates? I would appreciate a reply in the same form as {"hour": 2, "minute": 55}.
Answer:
{"hour": 7, "minute": 30}
